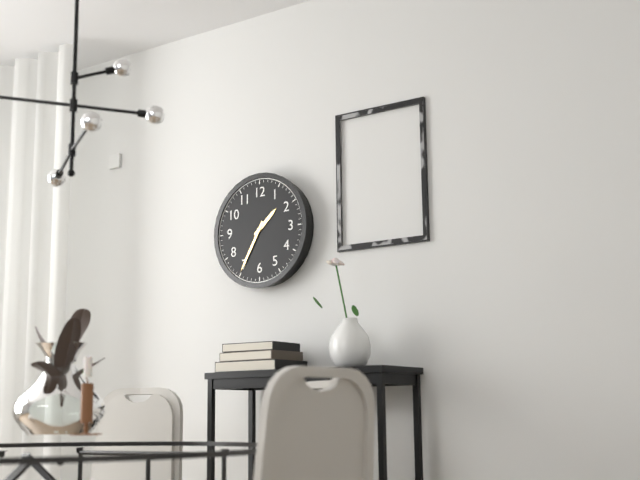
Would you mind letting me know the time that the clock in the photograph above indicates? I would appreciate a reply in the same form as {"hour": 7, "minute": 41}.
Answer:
{"hour": 1, "minute": 35}
